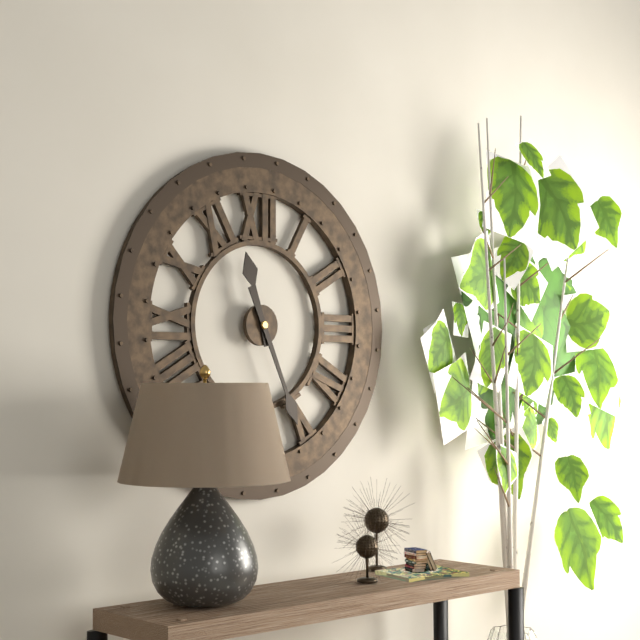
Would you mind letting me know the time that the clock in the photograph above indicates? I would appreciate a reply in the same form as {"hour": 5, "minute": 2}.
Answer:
{"hour": 11, "minute": 26}
